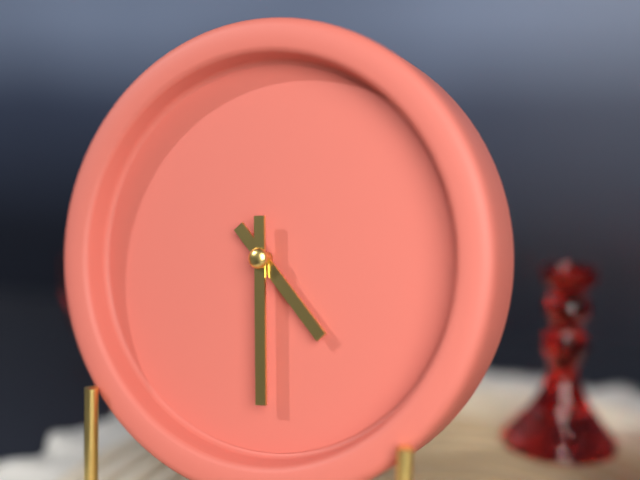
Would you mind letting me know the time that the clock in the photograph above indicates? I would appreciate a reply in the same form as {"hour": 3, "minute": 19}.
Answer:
{"hour": 4, "minute": 29}
